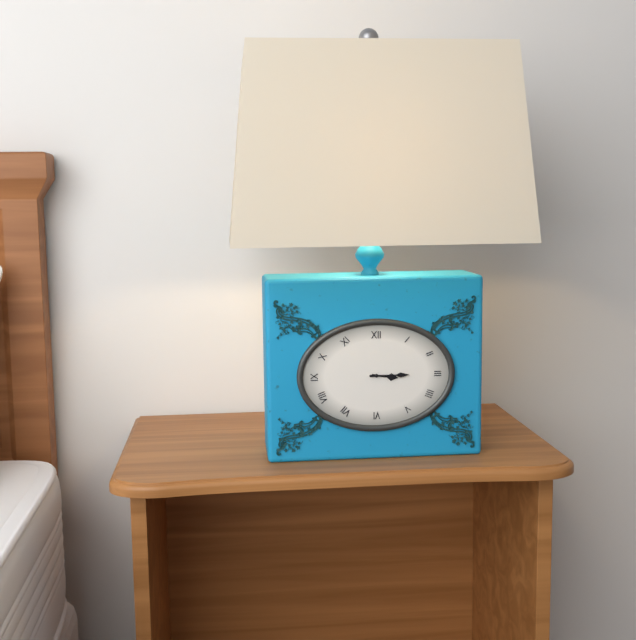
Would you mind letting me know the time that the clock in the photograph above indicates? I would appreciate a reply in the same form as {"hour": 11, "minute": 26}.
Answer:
{"hour": 3, "minute": 15}
